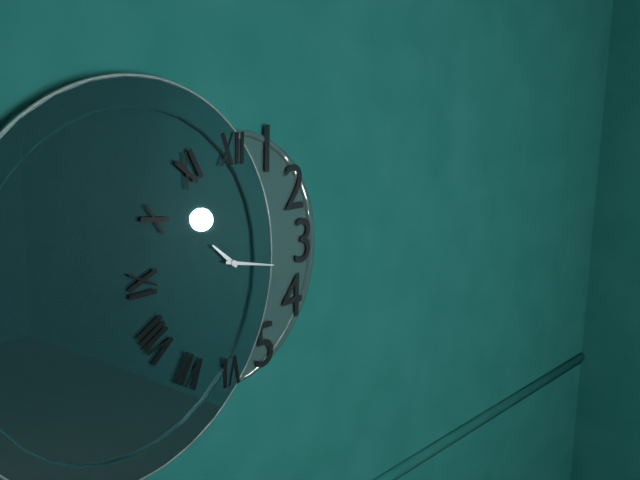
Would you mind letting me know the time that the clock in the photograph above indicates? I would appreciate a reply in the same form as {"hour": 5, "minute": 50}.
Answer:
{"hour": 10, "minute": 17}
